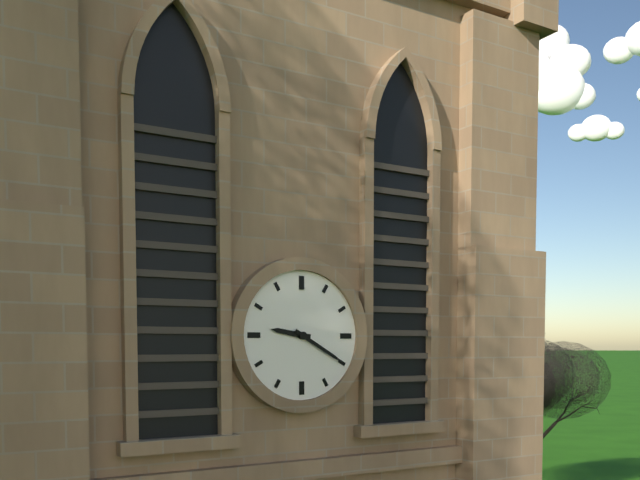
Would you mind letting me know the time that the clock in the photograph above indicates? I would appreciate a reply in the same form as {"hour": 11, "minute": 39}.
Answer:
{"hour": 9, "minute": 20}
